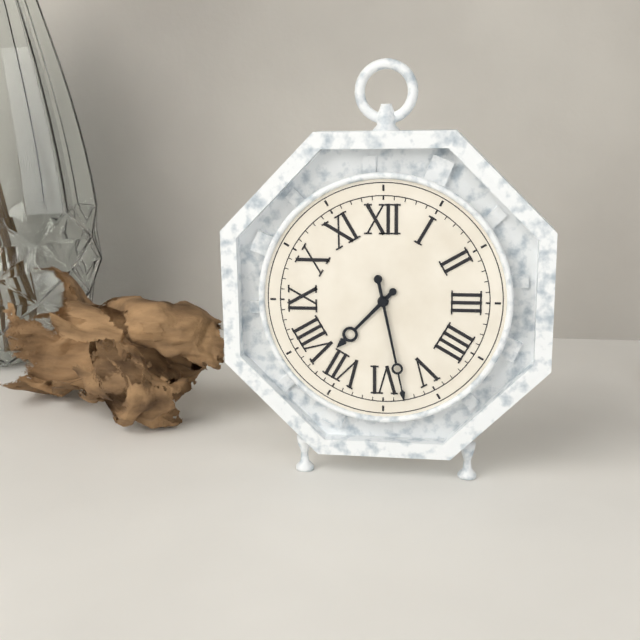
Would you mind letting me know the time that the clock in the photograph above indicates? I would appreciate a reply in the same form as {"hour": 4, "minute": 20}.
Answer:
{"hour": 7, "minute": 28}
